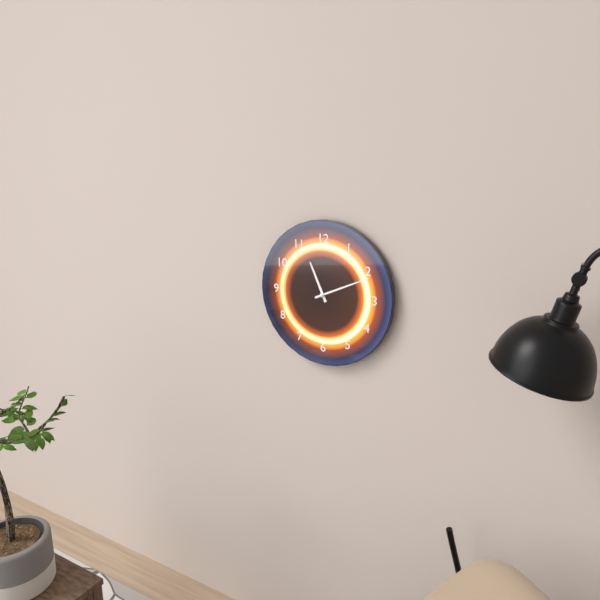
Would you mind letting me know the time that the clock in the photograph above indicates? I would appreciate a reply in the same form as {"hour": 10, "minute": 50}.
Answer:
{"hour": 11, "minute": 11}
